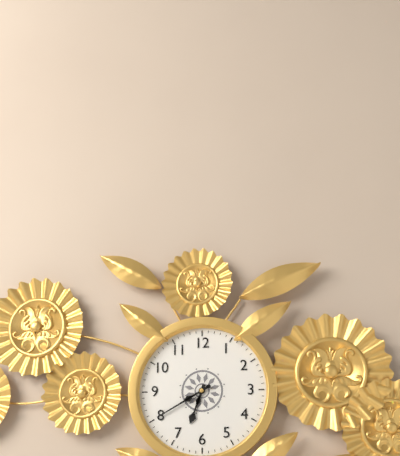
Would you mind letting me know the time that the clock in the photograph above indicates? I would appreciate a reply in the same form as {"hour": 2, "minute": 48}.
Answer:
{"hour": 6, "minute": 40}
